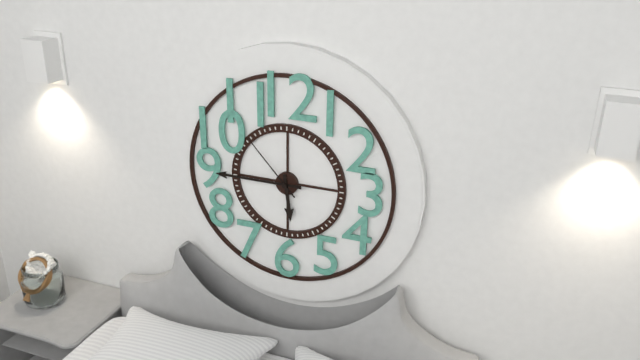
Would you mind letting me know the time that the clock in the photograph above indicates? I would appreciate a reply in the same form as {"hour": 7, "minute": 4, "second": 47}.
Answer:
{"hour": 5, "minute": 45, "second": 53}
